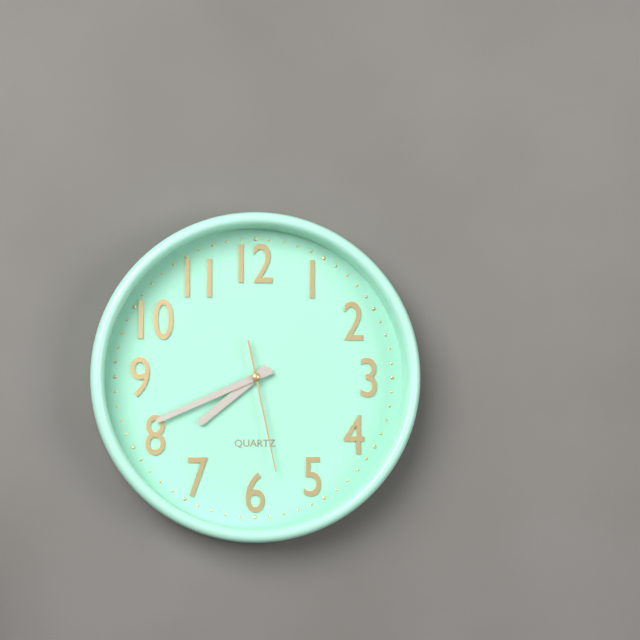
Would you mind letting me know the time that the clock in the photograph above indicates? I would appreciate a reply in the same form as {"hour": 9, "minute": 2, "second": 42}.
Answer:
{"hour": 7, "minute": 41, "second": 28}
